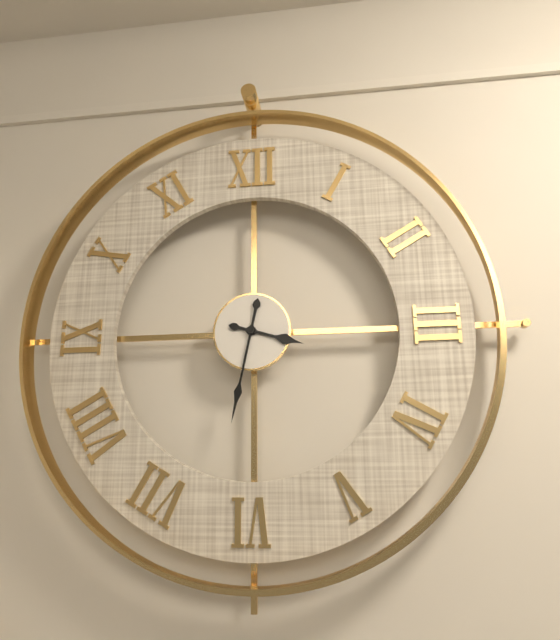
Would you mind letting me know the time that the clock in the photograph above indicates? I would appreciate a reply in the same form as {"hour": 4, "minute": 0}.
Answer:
{"hour": 3, "minute": 32}
